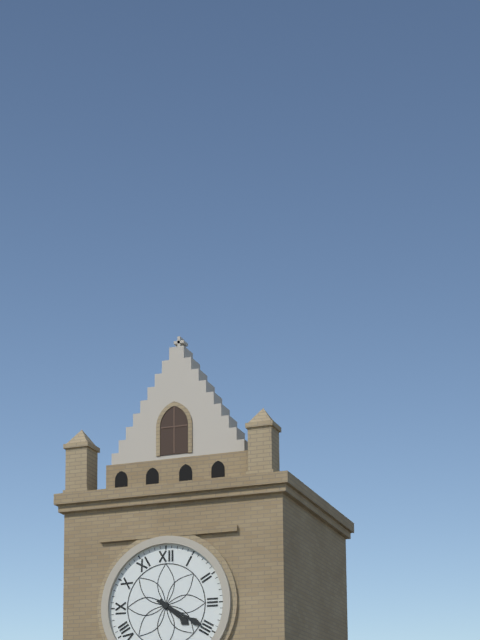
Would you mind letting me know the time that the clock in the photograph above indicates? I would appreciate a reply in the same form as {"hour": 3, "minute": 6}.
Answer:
{"hour": 4, "minute": 20}
